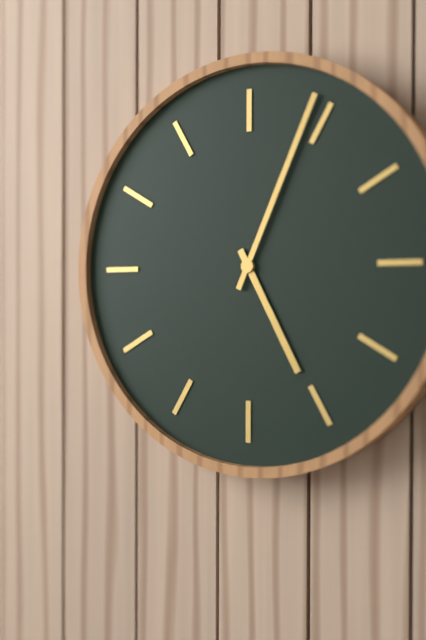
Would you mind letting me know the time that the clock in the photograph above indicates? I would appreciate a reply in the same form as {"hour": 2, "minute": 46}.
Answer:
{"hour": 5, "minute": 4}
